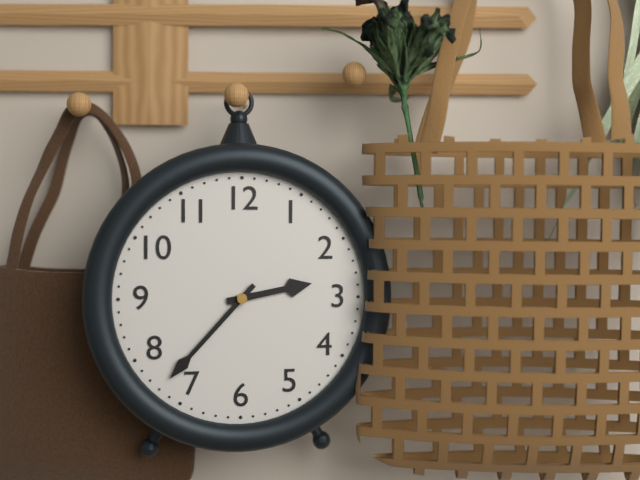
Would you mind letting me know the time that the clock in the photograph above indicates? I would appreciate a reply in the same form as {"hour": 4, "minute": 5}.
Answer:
{"hour": 2, "minute": 37}
